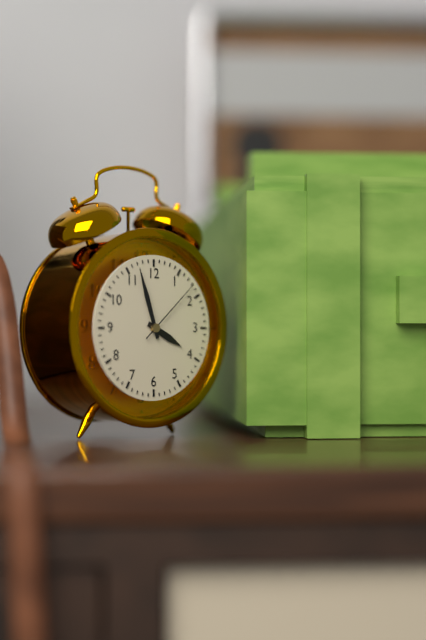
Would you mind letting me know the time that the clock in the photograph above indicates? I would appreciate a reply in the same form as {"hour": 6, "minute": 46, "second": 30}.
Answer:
{"hour": 3, "minute": 57, "second": 8}
